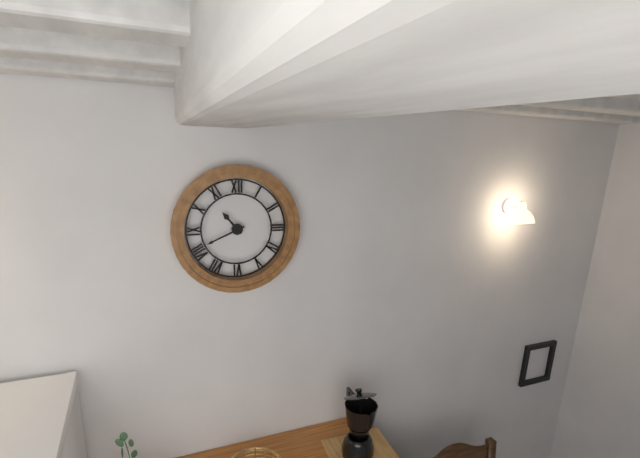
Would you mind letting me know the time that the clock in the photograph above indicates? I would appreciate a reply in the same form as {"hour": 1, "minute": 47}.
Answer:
{"hour": 10, "minute": 41}
